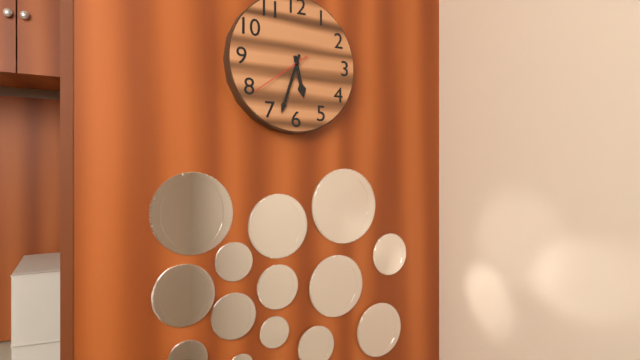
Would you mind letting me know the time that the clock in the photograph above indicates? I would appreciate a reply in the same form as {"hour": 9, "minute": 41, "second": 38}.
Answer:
{"hour": 5, "minute": 33, "second": 39}
